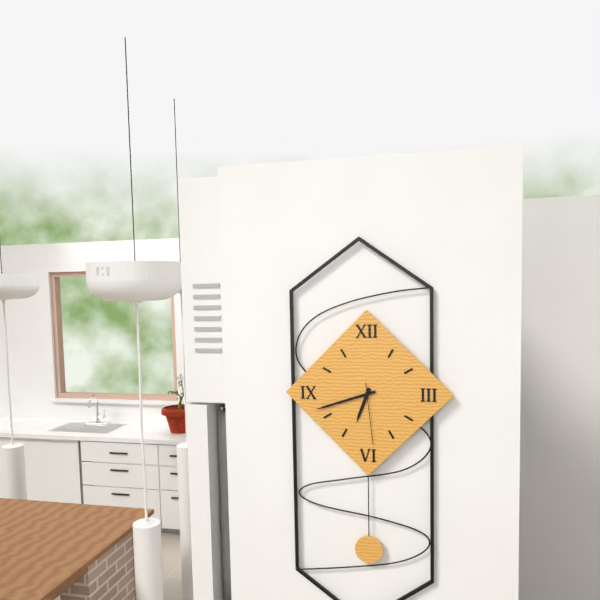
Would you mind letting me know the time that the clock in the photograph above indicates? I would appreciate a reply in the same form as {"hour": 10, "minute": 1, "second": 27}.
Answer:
{"hour": 6, "minute": 42, "second": 29}
